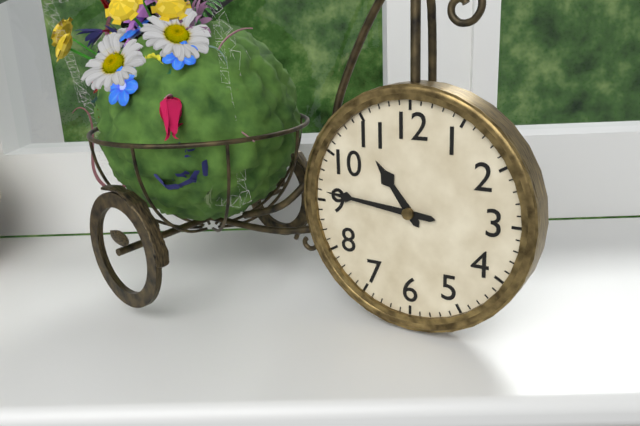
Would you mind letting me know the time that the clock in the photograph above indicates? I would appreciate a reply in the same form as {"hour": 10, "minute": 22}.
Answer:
{"hour": 10, "minute": 46}
